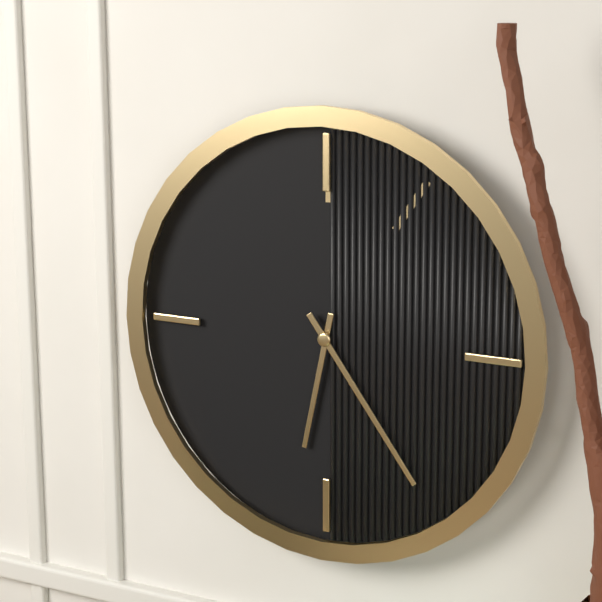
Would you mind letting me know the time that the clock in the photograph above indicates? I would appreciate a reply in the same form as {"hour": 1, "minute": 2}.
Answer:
{"hour": 6, "minute": 24}
